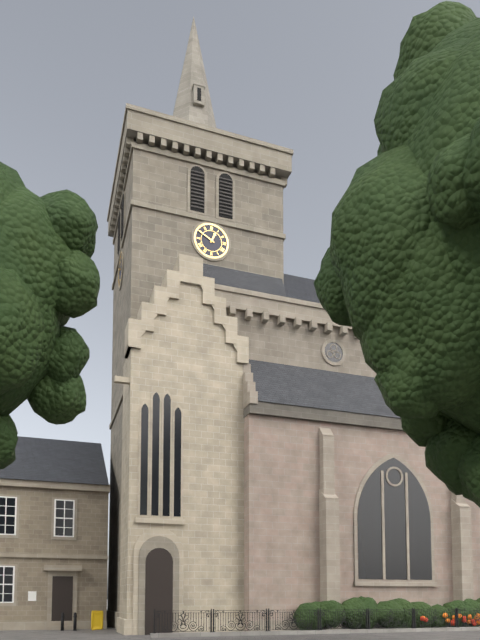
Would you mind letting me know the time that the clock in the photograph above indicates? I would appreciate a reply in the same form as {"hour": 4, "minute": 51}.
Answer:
{"hour": 12, "minute": 50}
